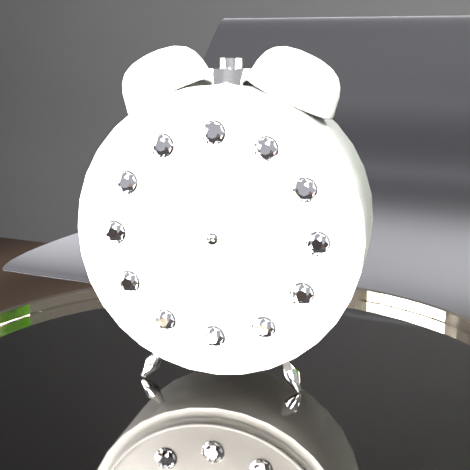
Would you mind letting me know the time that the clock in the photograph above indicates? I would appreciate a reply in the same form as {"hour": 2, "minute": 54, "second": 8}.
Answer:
{"hour": 10, "minute": 23, "second": 22}
